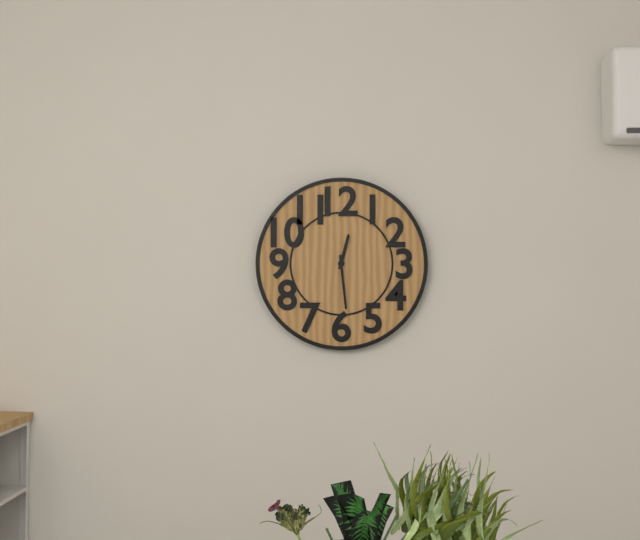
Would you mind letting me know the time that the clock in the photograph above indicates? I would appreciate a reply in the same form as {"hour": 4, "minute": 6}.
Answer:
{"hour": 12, "minute": 29}
